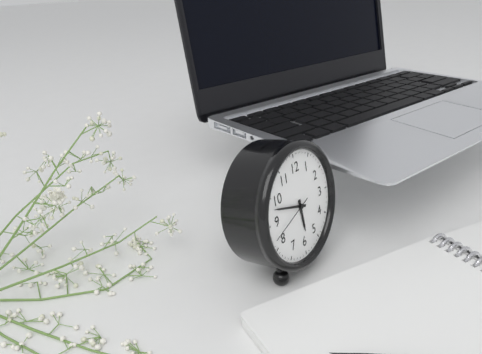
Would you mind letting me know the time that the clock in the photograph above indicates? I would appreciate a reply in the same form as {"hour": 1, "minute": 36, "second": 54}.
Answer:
{"hour": 5, "minute": 48, "second": 42}
